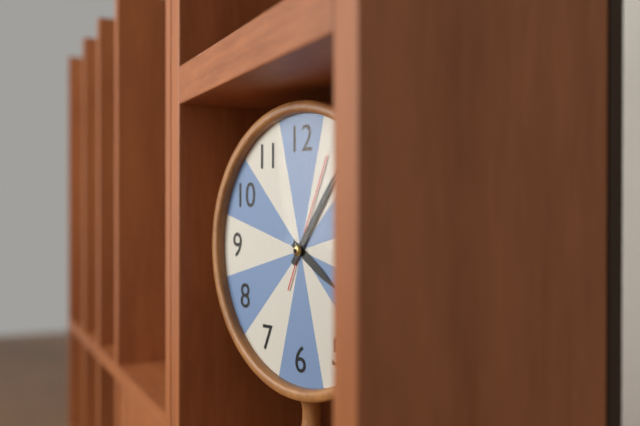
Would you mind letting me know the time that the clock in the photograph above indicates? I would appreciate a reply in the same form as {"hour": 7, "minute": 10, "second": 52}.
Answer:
{"hour": 4, "minute": 6, "second": 4}
